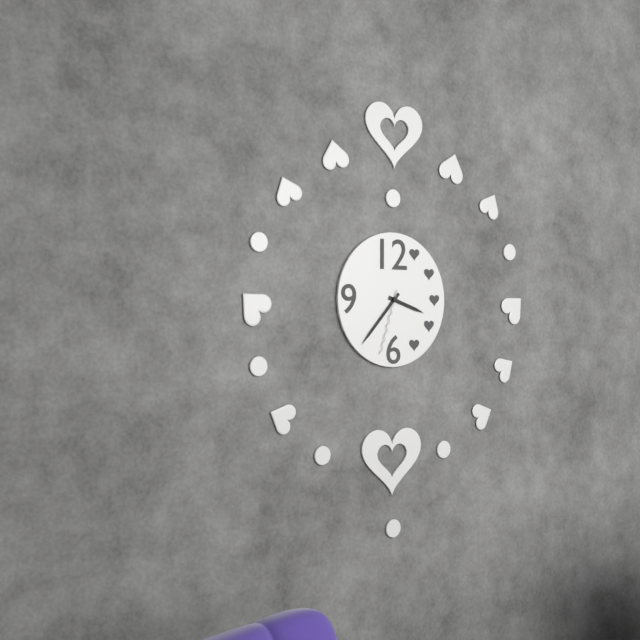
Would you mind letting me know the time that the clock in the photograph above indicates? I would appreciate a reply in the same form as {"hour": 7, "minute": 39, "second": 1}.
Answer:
{"hour": 3, "minute": 37, "second": 33}
